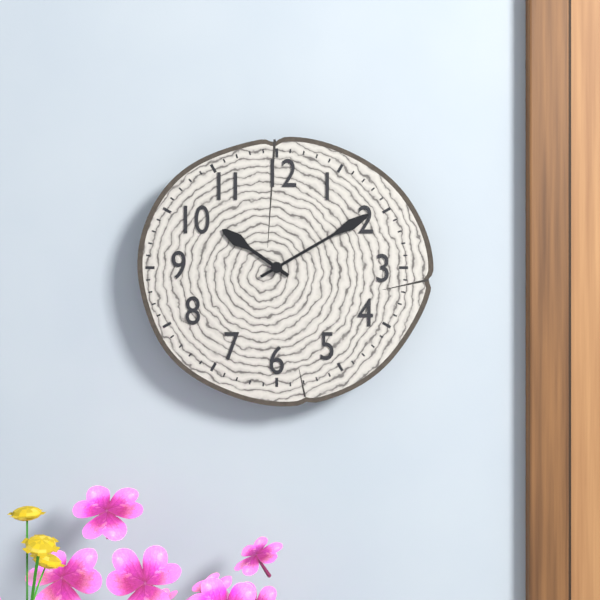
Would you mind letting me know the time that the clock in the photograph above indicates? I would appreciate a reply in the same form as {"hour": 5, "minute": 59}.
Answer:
{"hour": 10, "minute": 10}
